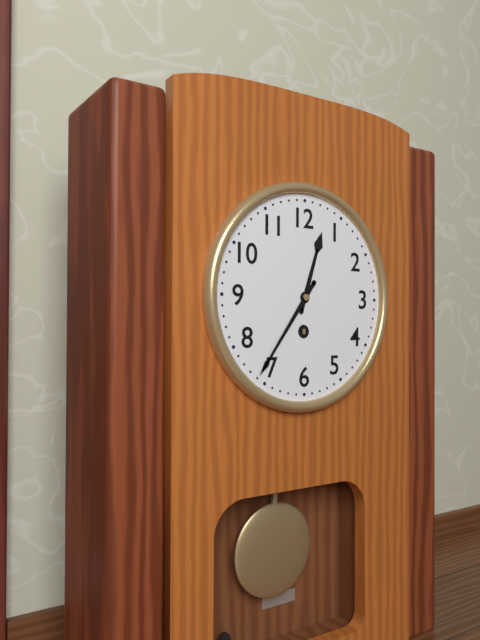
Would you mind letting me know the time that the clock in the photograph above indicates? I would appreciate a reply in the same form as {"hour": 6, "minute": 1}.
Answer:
{"hour": 12, "minute": 36}
